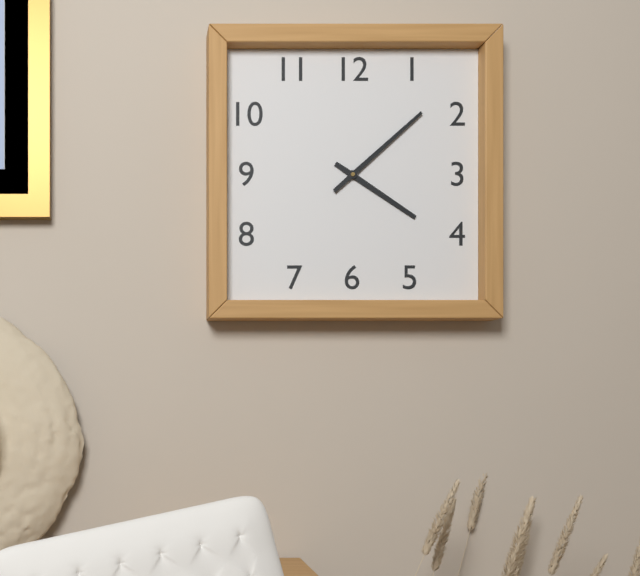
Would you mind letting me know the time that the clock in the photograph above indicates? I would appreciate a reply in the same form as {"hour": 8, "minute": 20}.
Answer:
{"hour": 4, "minute": 8}
